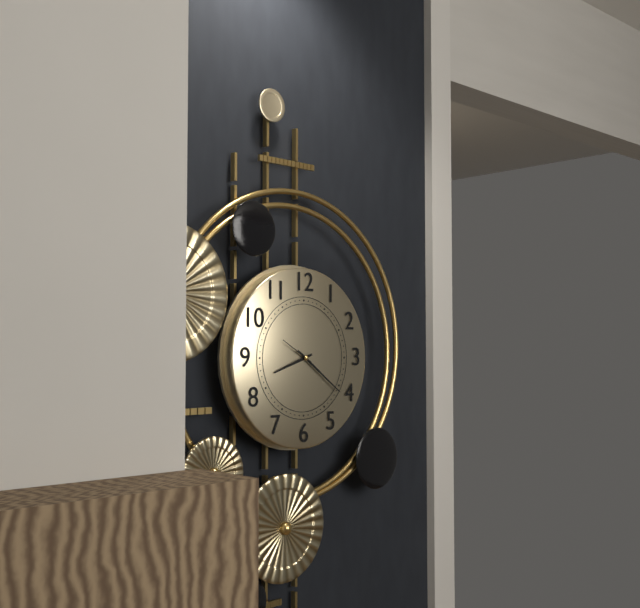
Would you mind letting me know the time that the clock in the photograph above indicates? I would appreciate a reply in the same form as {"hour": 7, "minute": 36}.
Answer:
{"hour": 8, "minute": 21}
